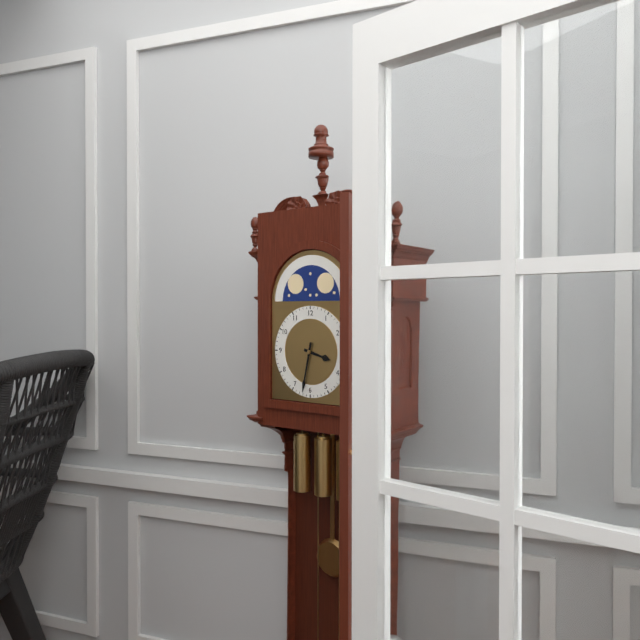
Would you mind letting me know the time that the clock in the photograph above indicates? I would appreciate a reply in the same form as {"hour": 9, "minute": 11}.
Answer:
{"hour": 3, "minute": 32}
